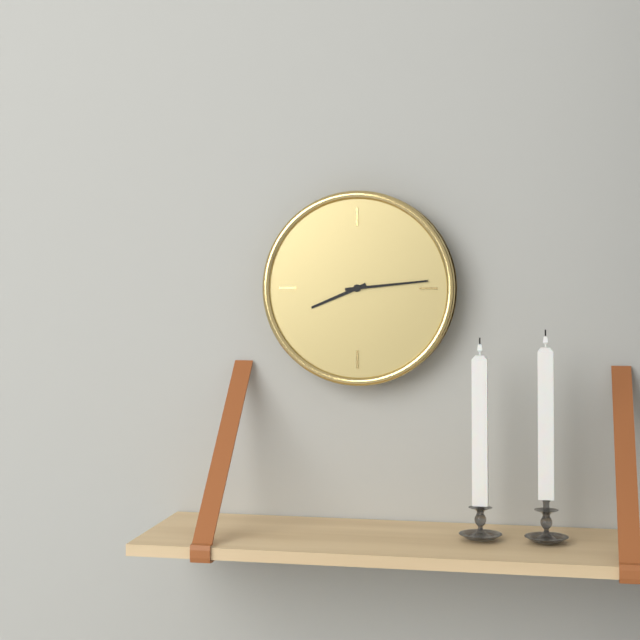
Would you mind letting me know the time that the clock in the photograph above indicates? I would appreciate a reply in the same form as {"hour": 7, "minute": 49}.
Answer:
{"hour": 8, "minute": 14}
